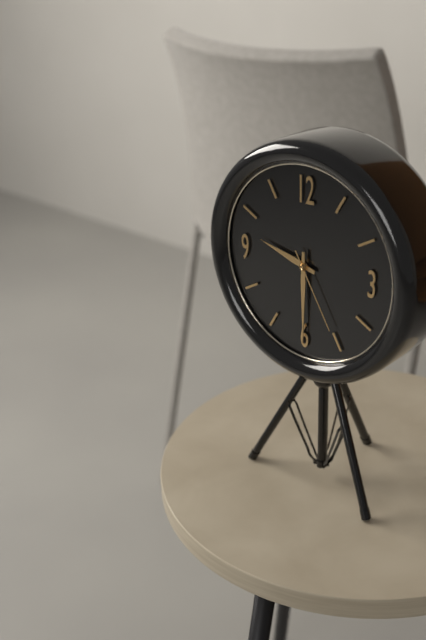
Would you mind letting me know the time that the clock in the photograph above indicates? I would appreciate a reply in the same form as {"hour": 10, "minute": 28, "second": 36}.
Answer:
{"hour": 9, "minute": 30, "second": 25}
